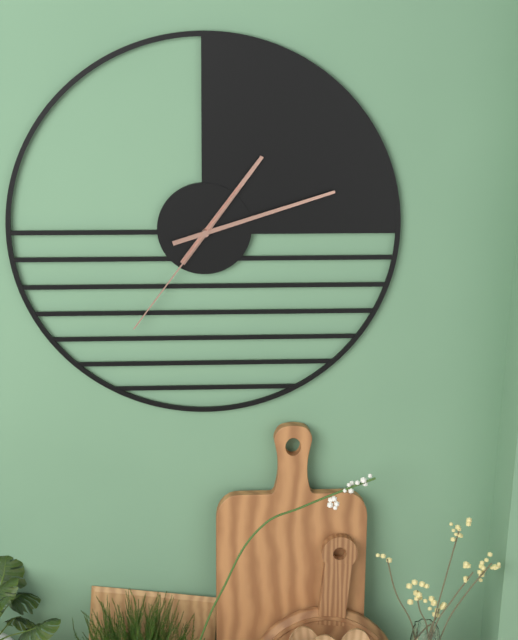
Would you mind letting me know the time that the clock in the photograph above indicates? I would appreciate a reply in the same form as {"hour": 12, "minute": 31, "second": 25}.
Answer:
{"hour": 1, "minute": 12, "second": 36}
